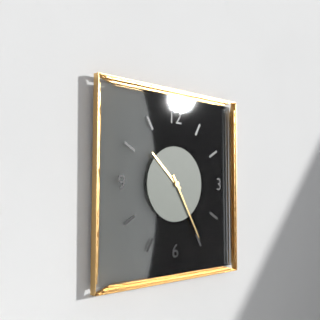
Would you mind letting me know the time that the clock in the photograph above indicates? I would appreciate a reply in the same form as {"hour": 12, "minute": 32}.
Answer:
{"hour": 10, "minute": 25}
